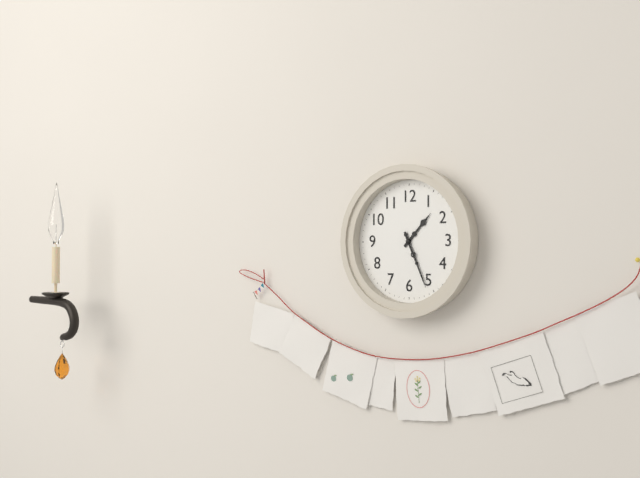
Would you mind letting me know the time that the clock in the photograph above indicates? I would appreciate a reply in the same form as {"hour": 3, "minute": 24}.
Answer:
{"hour": 1, "minute": 26}
